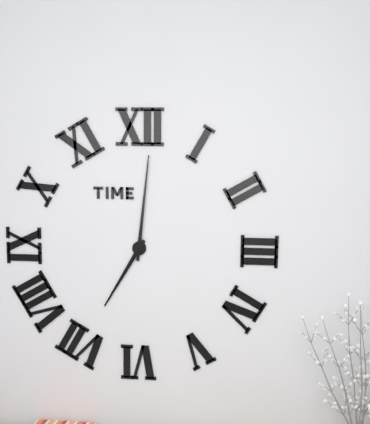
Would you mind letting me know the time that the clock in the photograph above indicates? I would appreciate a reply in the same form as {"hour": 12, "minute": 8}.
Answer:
{"hour": 7, "minute": 1}
